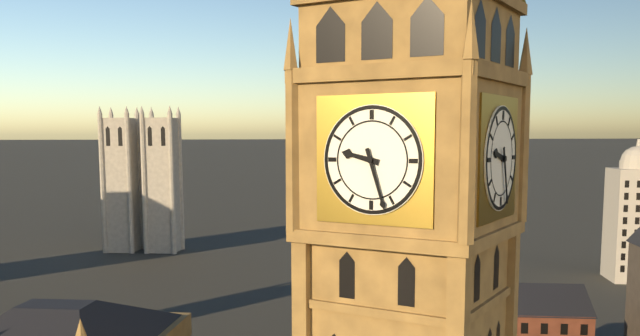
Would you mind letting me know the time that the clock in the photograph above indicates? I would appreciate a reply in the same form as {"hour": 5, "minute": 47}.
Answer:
{"hour": 9, "minute": 27}
